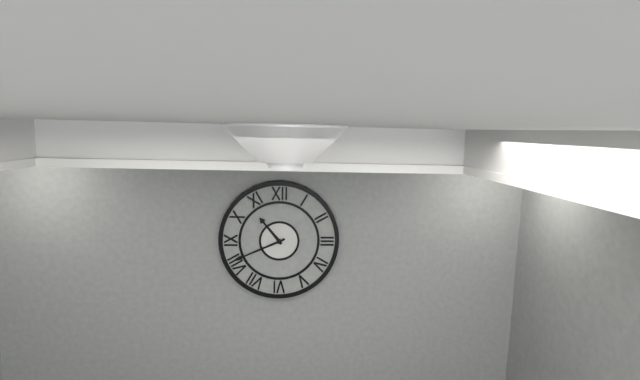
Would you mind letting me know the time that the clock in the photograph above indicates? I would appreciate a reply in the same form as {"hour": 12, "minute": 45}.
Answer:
{"hour": 10, "minute": 41}
